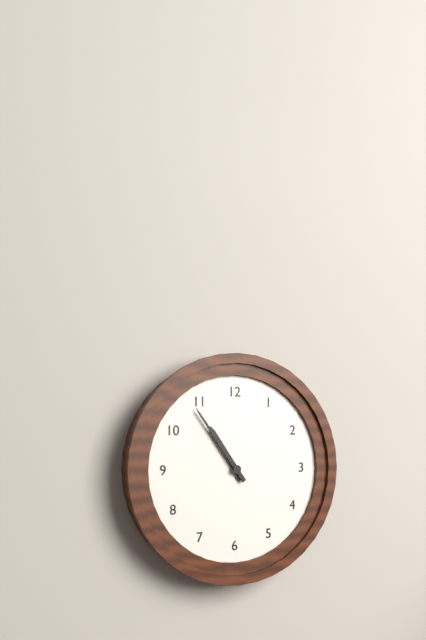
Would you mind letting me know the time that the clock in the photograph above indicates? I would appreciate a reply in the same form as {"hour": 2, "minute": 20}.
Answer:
{"hour": 10, "minute": 54}
